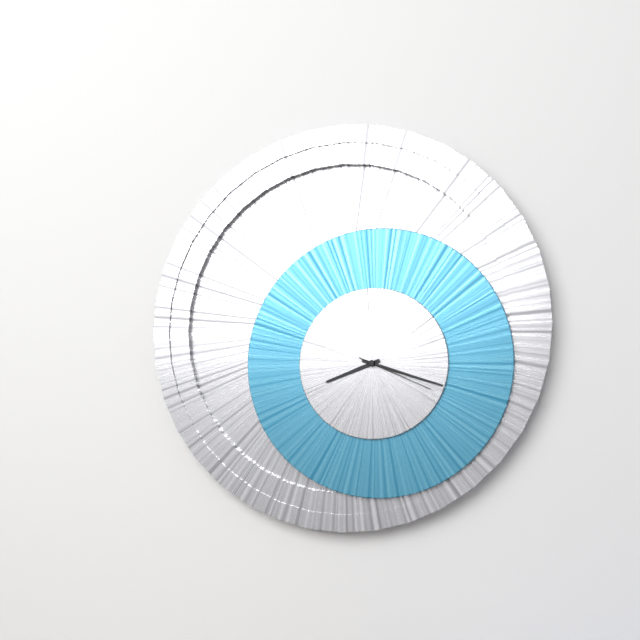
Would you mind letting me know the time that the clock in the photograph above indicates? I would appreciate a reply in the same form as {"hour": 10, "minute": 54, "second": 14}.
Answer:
{"hour": 8, "minute": 18, "second": 19}
